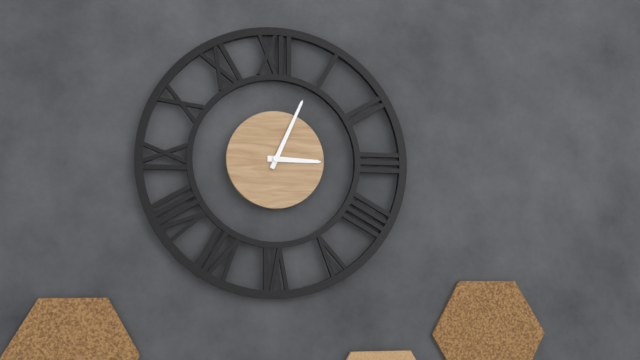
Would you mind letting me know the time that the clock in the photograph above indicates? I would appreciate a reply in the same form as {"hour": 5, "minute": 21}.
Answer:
{"hour": 3, "minute": 4}
